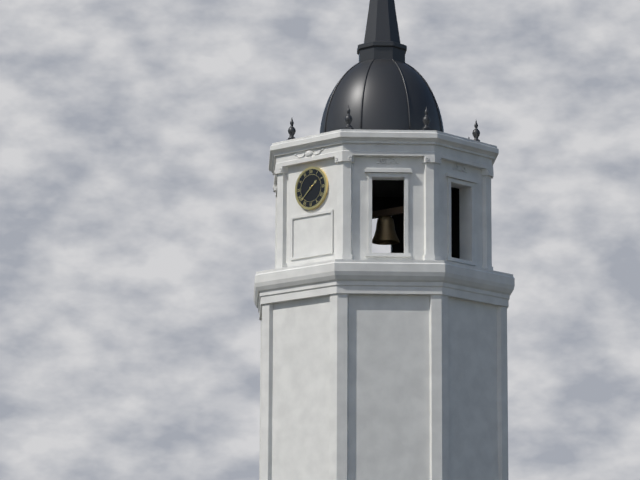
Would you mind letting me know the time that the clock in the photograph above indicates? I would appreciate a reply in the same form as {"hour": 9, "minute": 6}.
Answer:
{"hour": 1, "minute": 38}
